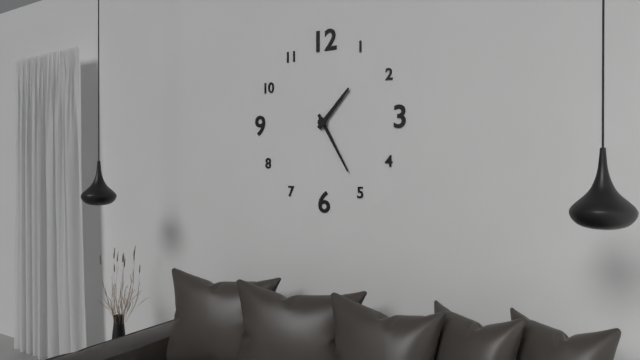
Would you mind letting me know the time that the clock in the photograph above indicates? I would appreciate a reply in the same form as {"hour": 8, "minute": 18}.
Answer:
{"hour": 1, "minute": 25}
